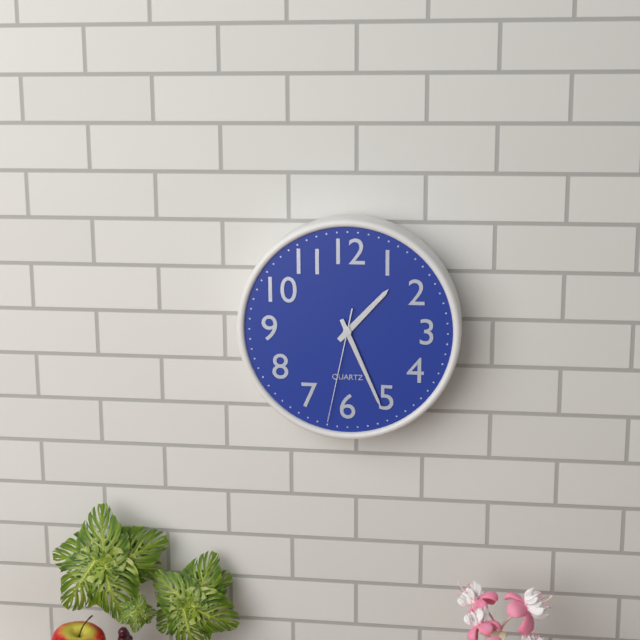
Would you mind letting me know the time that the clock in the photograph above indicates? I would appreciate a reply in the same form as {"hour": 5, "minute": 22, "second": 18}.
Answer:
{"hour": 1, "minute": 26, "second": 32}
